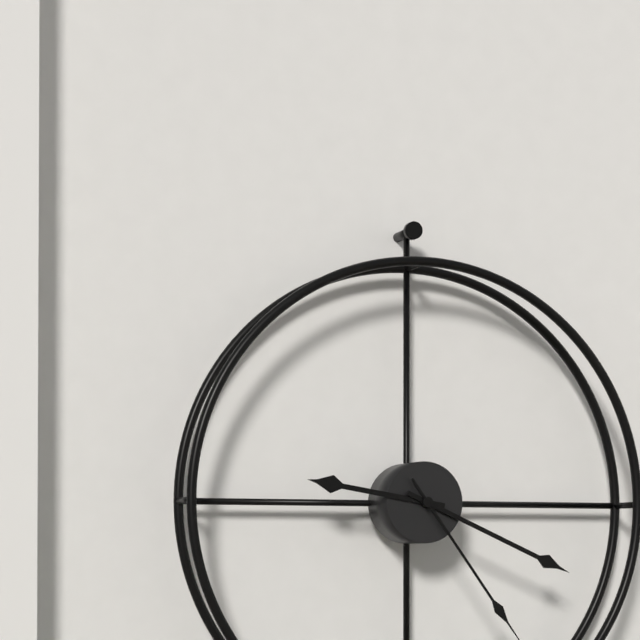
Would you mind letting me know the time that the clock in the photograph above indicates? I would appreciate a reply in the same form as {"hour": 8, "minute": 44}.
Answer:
{"hour": 9, "minute": 19}
